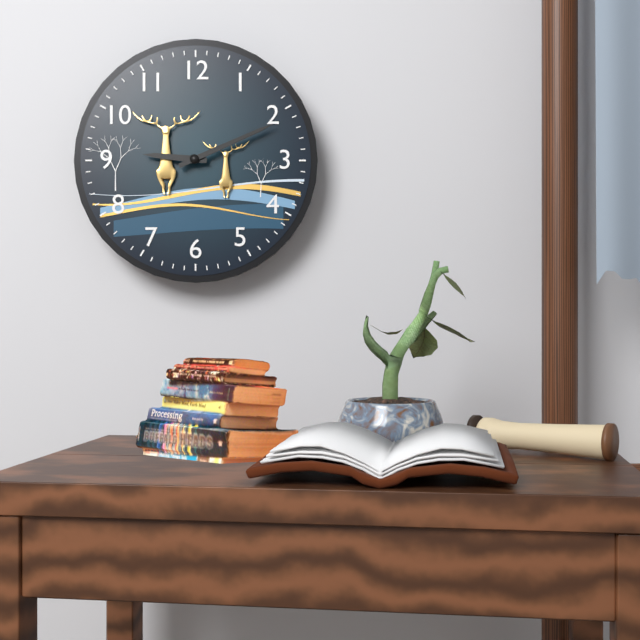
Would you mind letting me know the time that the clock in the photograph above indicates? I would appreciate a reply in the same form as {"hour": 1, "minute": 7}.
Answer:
{"hour": 9, "minute": 11}
